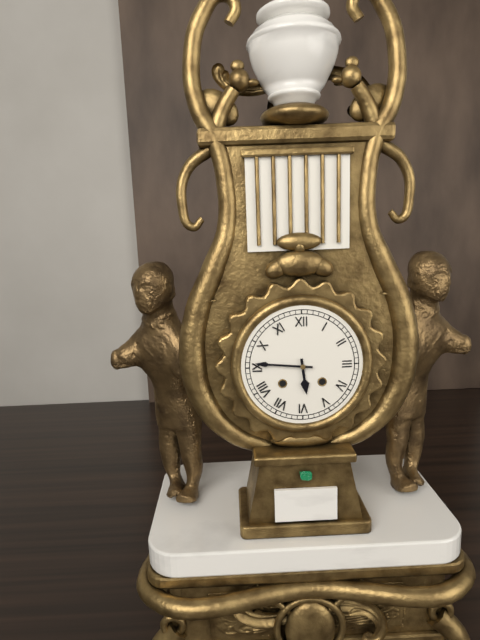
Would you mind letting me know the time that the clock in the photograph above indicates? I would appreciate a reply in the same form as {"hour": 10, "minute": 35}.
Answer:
{"hour": 5, "minute": 46}
